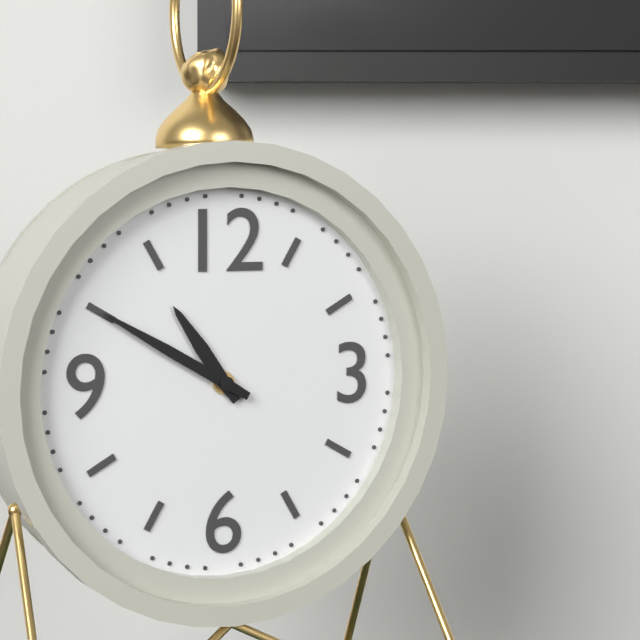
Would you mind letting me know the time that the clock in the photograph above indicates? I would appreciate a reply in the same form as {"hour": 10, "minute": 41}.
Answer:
{"hour": 10, "minute": 50}
